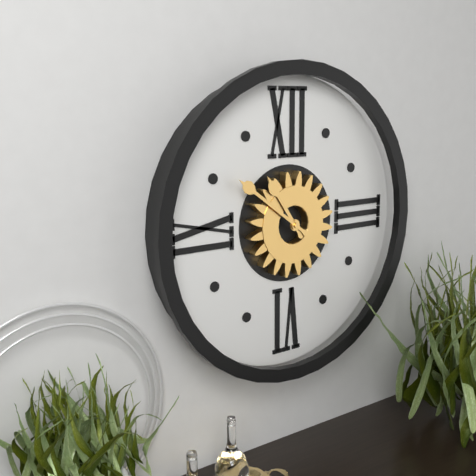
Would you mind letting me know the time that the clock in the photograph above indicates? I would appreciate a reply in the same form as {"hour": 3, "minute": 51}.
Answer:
{"hour": 10, "minute": 51}
